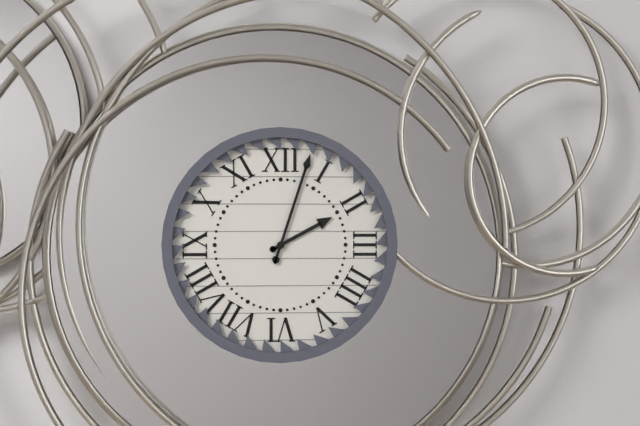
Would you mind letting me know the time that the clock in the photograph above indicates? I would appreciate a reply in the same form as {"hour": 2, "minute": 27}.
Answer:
{"hour": 2, "minute": 3}
